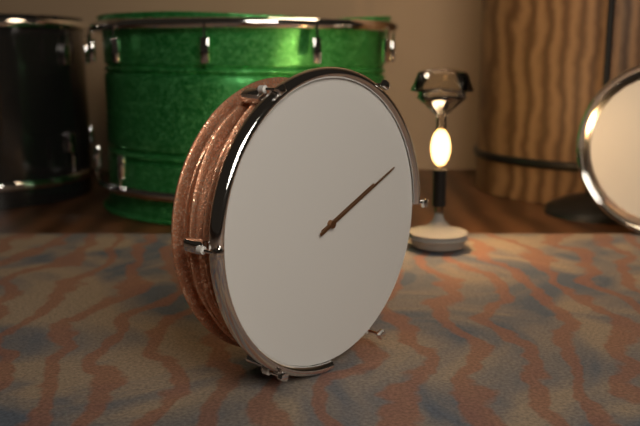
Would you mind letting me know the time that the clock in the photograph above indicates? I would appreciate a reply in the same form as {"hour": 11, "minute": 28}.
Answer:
{"hour": 2, "minute": 11}
